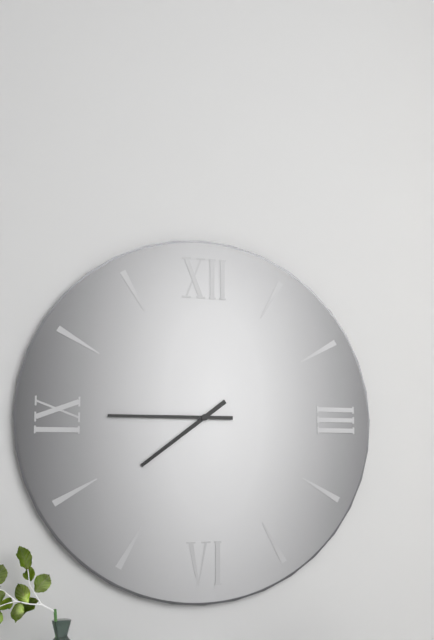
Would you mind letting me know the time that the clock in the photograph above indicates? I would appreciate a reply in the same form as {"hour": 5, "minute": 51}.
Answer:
{"hour": 7, "minute": 45}
